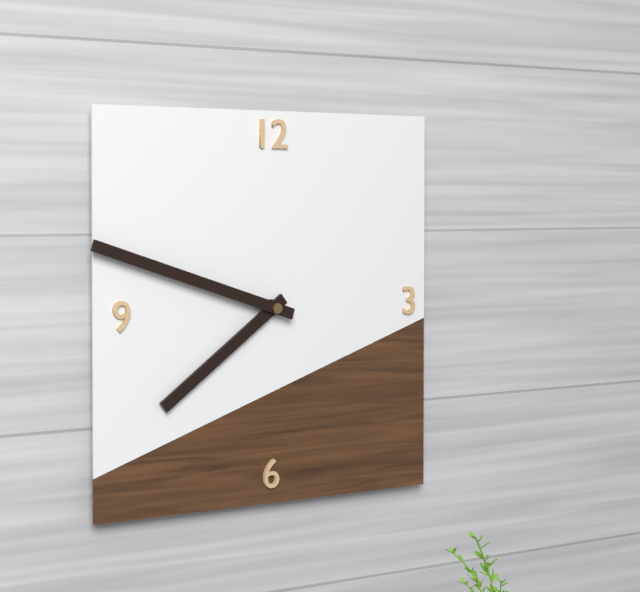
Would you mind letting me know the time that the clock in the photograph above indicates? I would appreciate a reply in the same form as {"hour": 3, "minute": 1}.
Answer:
{"hour": 7, "minute": 48}
